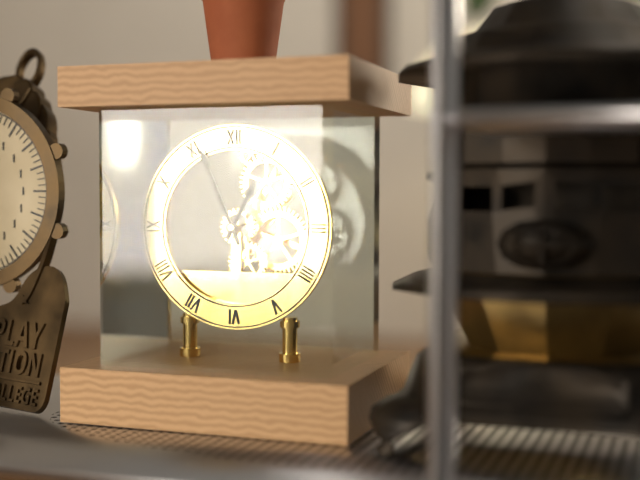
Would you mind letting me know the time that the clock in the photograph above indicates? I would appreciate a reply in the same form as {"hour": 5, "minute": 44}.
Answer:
{"hour": 12, "minute": 56}
